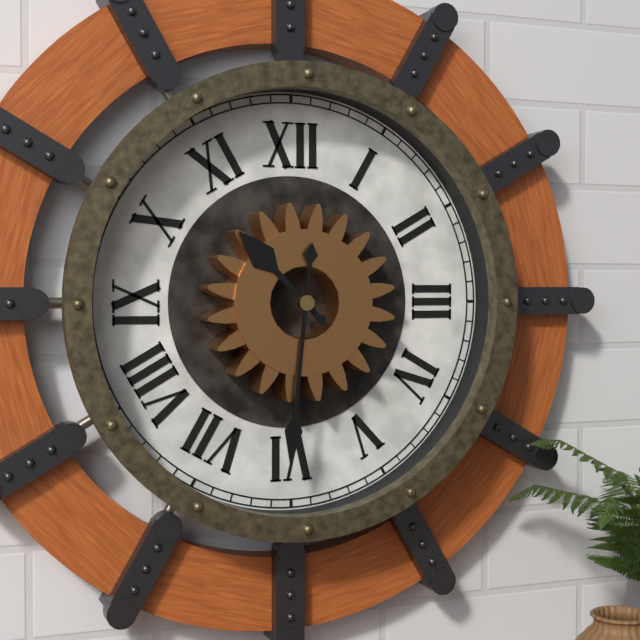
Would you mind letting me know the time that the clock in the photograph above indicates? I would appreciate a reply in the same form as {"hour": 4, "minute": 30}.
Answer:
{"hour": 10, "minute": 31}
